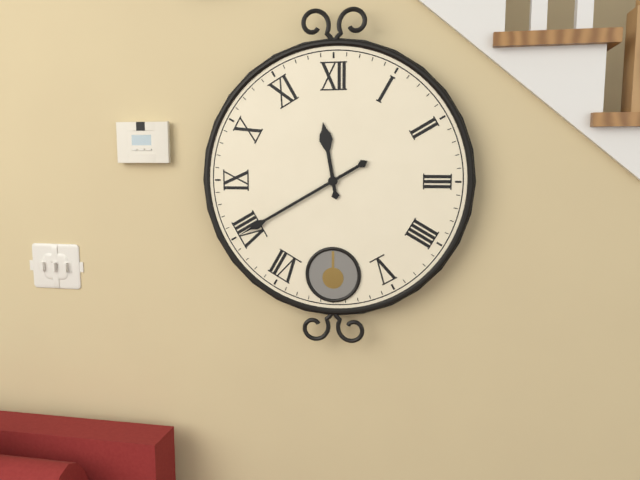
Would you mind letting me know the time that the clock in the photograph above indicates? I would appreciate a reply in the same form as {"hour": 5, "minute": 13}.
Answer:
{"hour": 11, "minute": 40}
